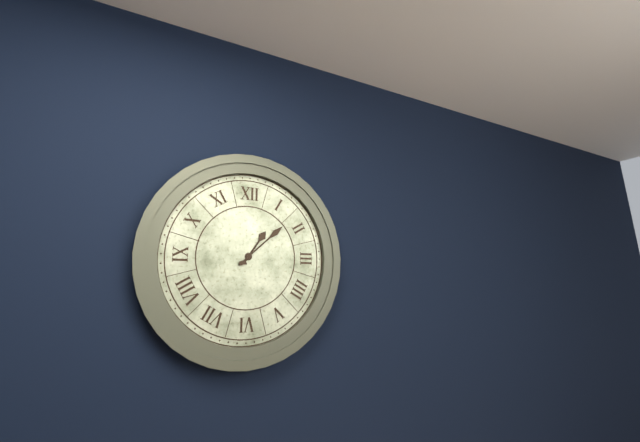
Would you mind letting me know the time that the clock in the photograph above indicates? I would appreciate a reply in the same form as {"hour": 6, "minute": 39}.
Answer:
{"hour": 1, "minute": 8}
